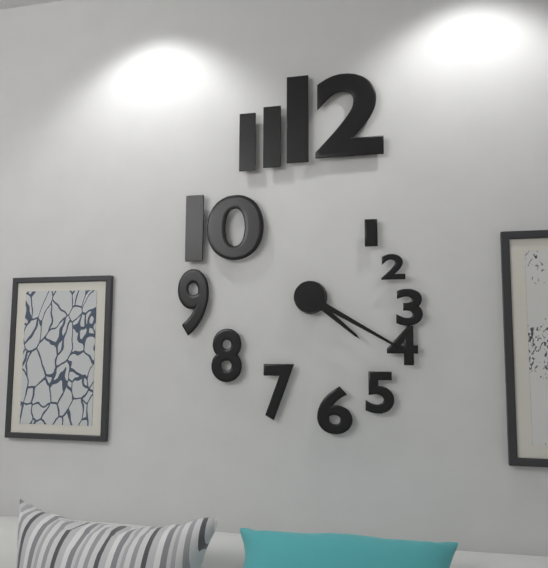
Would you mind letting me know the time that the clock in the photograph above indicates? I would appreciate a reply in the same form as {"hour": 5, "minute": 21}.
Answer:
{"hour": 4, "minute": 20}
